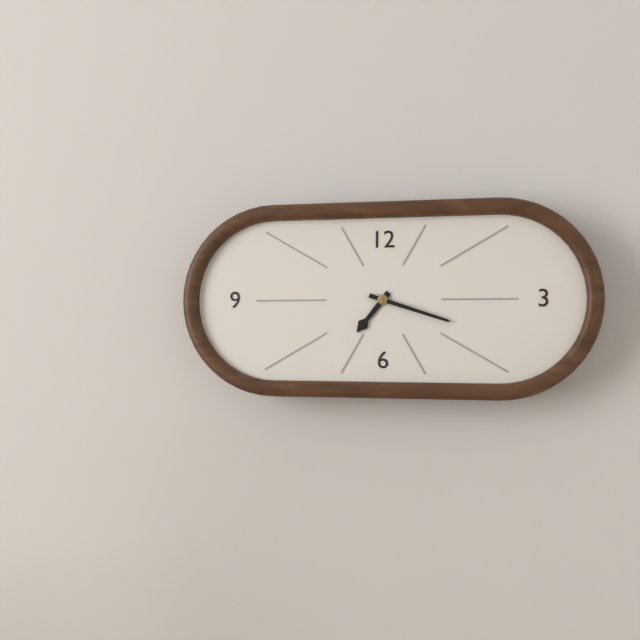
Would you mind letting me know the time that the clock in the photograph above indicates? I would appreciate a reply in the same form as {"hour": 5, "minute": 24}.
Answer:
{"hour": 7, "minute": 18}
